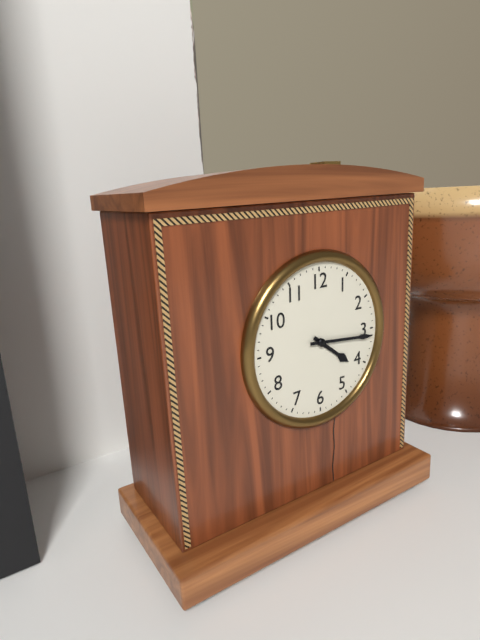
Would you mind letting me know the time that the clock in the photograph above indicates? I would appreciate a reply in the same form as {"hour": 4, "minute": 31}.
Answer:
{"hour": 4, "minute": 16}
